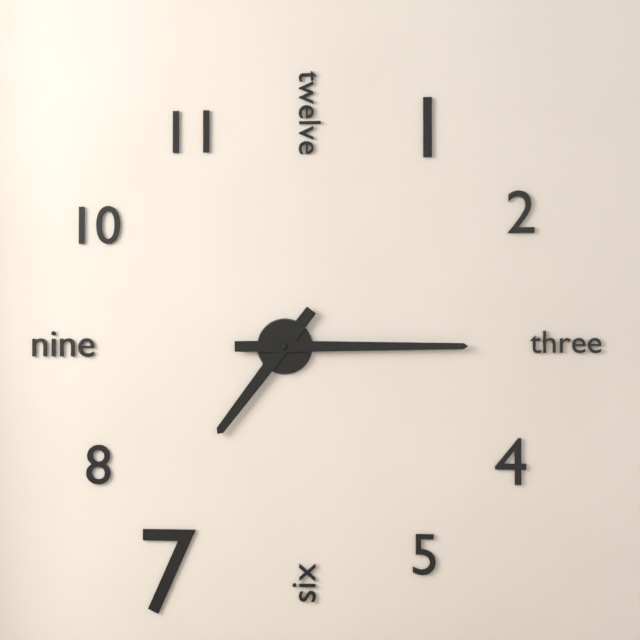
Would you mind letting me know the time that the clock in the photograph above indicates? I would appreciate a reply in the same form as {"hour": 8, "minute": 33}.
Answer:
{"hour": 7, "minute": 15}
